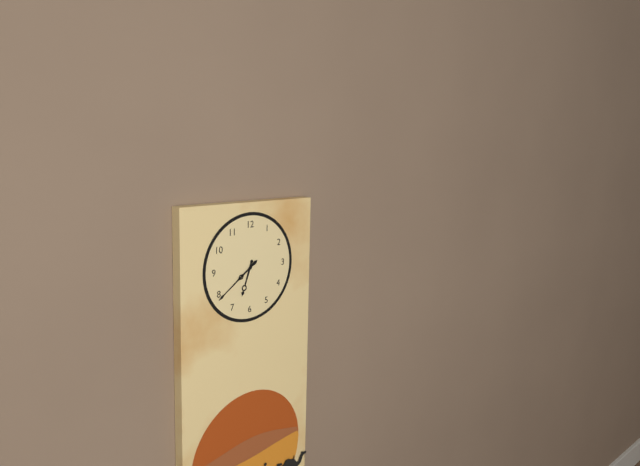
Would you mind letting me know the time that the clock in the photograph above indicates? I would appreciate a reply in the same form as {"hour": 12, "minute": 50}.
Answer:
{"hour": 6, "minute": 39}
